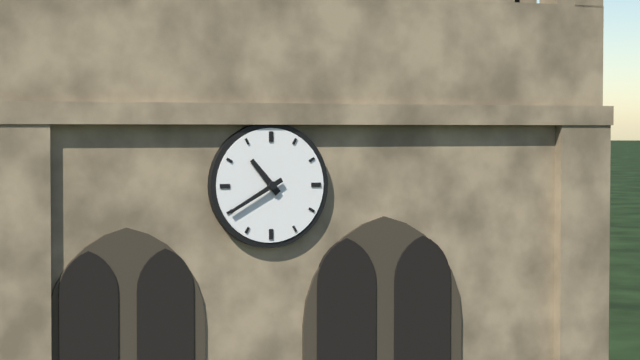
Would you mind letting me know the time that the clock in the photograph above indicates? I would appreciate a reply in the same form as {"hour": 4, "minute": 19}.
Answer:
{"hour": 10, "minute": 40}
